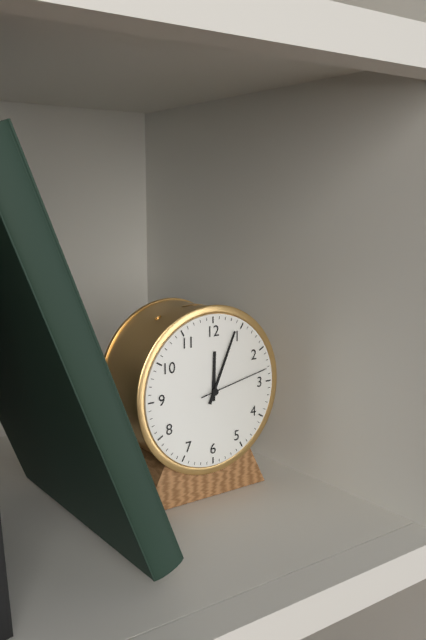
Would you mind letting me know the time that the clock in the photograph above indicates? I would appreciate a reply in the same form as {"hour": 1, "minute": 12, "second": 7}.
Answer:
{"hour": 12, "minute": 4, "second": 13}
